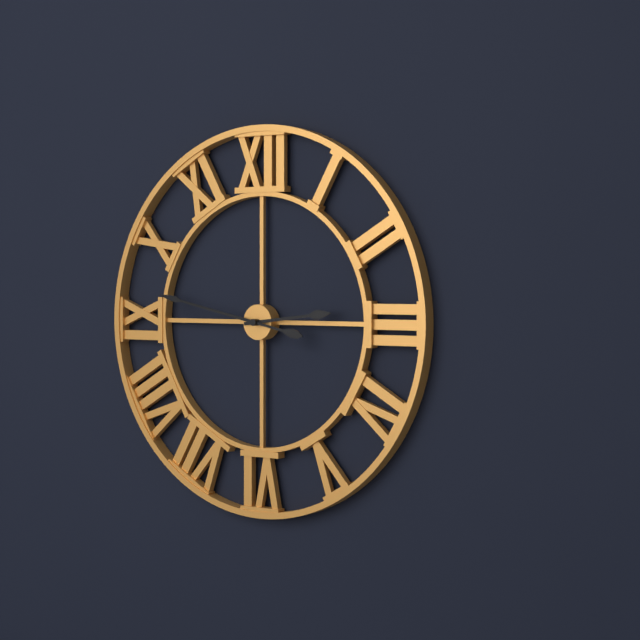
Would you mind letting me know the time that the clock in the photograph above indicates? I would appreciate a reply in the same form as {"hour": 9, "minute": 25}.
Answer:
{"hour": 2, "minute": 47}
